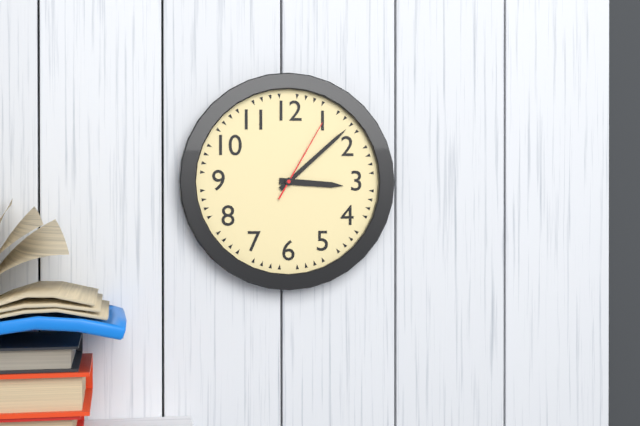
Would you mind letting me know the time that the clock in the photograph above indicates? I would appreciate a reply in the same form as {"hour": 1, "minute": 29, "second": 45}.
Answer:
{"hour": 3, "minute": 8, "second": 5}
